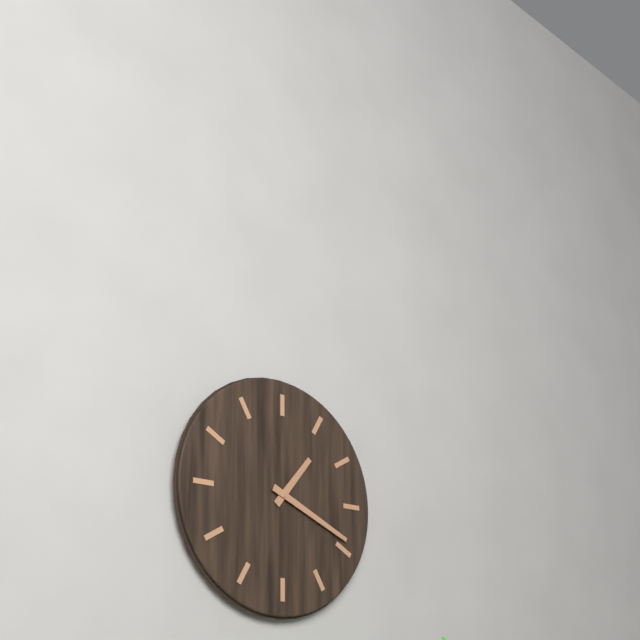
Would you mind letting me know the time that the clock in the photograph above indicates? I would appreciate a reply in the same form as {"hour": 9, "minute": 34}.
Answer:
{"hour": 1, "minute": 19}
